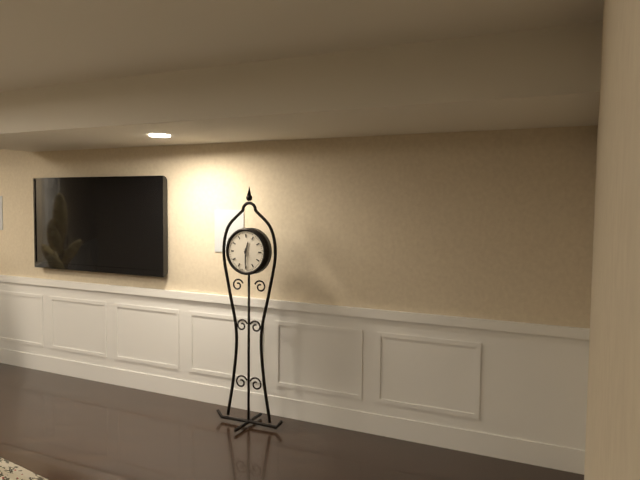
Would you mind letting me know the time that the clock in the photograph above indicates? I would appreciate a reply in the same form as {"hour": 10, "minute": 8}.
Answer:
{"hour": 12, "minute": 30}
